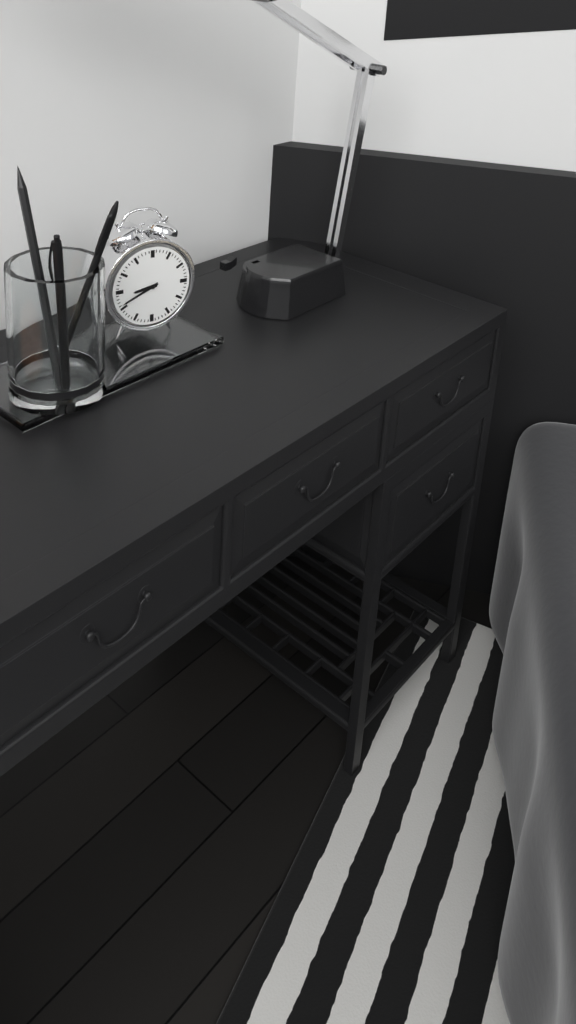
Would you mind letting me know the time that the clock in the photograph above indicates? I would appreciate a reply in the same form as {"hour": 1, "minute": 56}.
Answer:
{"hour": 8, "minute": 41}
